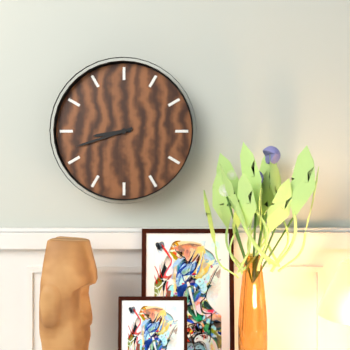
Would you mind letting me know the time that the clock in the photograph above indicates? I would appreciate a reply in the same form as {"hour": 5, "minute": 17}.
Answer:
{"hour": 8, "minute": 42}
